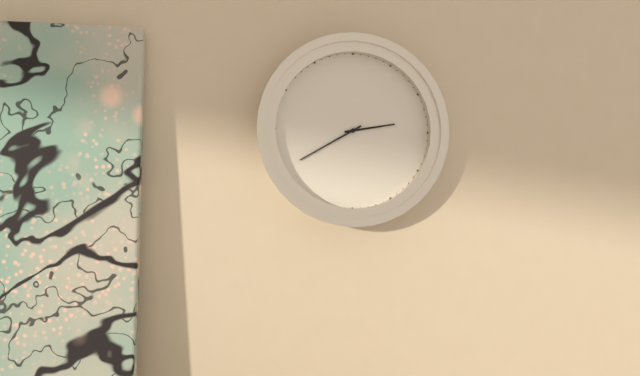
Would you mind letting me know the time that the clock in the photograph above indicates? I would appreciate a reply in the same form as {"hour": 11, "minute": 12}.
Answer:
{"hour": 2, "minute": 40}
